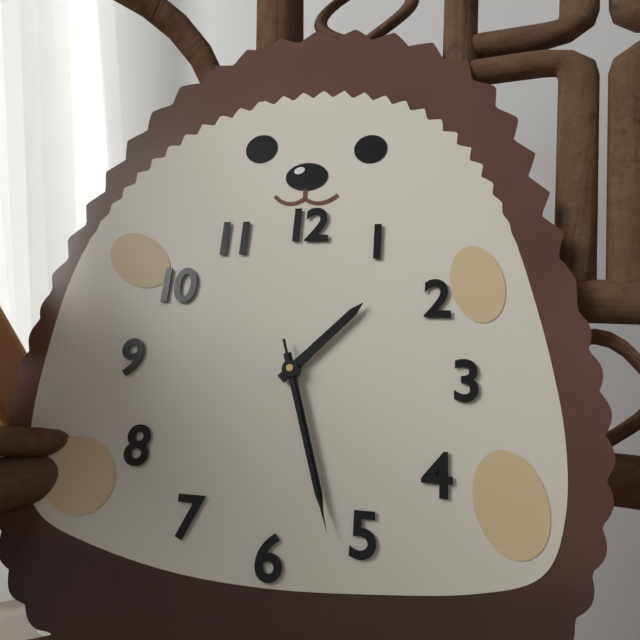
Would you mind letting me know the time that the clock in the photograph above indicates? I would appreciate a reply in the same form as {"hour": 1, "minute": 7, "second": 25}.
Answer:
{"hour": 1, "minute": 27, "second": 27}
